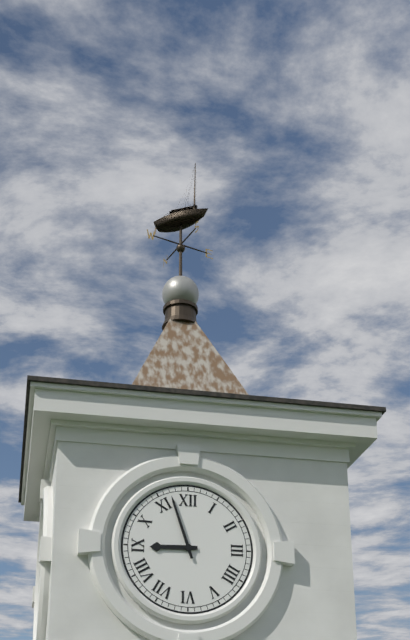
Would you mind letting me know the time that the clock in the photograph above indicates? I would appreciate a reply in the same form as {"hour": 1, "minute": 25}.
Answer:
{"hour": 8, "minute": 57}
